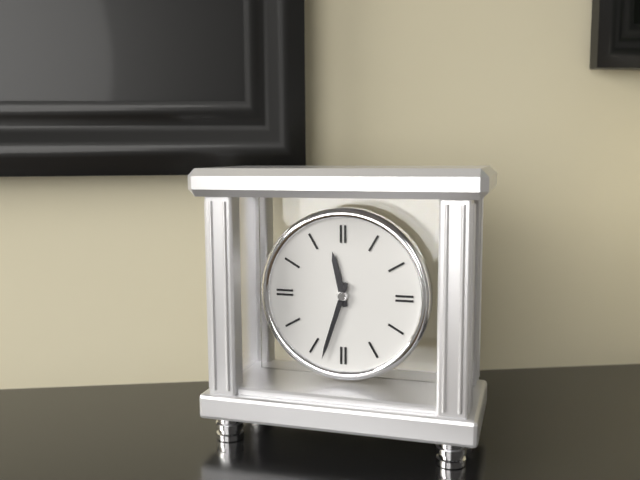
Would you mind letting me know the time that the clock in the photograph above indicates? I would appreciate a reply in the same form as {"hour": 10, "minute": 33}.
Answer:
{"hour": 11, "minute": 33}
